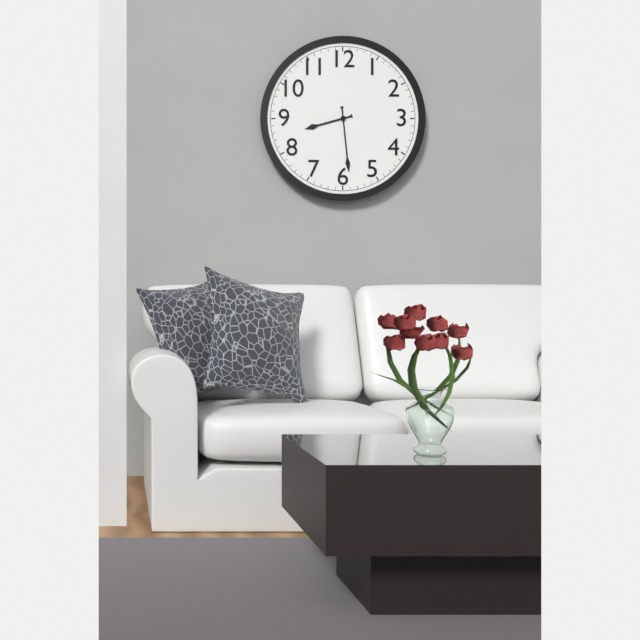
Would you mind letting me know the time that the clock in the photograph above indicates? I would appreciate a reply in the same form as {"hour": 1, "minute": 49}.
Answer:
{"hour": 8, "minute": 29}
